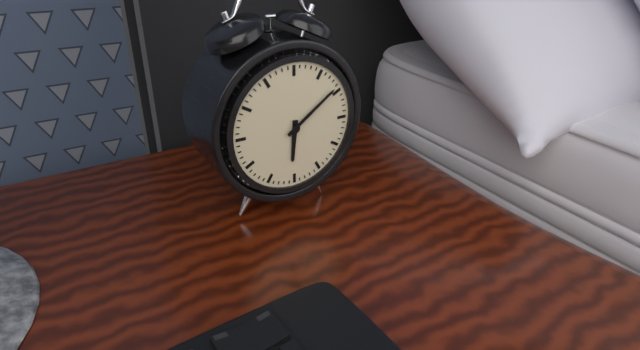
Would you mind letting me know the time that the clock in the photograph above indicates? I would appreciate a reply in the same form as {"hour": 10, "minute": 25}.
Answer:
{"hour": 6, "minute": 9}
